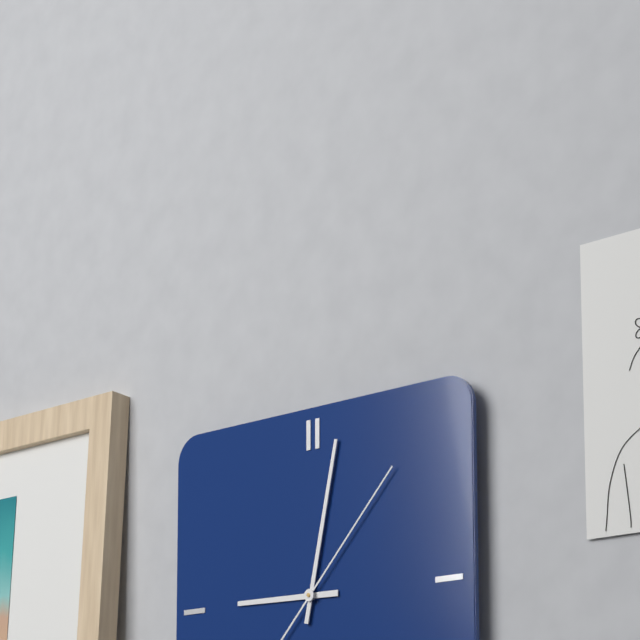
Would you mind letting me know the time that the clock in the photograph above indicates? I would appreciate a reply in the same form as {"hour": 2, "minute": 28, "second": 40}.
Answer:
{"hour": 9, "minute": 2, "second": 7}
